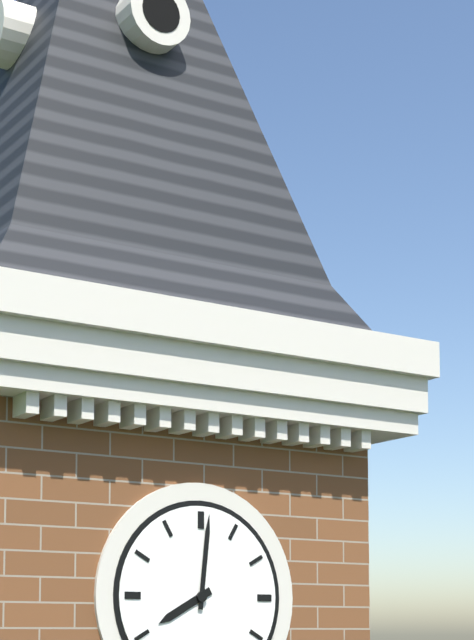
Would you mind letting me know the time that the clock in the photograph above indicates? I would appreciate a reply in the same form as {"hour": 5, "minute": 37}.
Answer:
{"hour": 8, "minute": 1}
